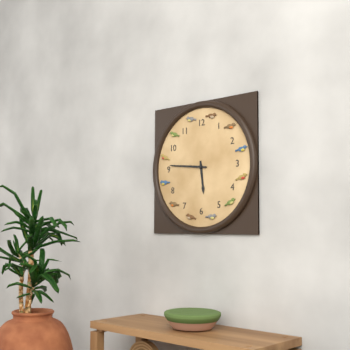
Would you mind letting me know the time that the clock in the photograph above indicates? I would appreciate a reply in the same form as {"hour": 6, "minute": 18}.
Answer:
{"hour": 5, "minute": 46}
